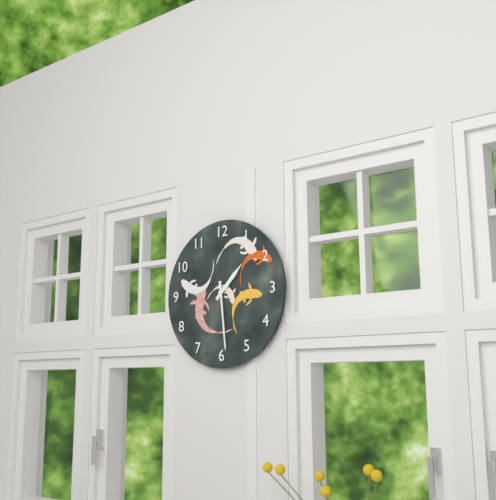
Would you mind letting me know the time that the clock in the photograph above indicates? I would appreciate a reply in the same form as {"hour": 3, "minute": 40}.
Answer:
{"hour": 1, "minute": 29}
